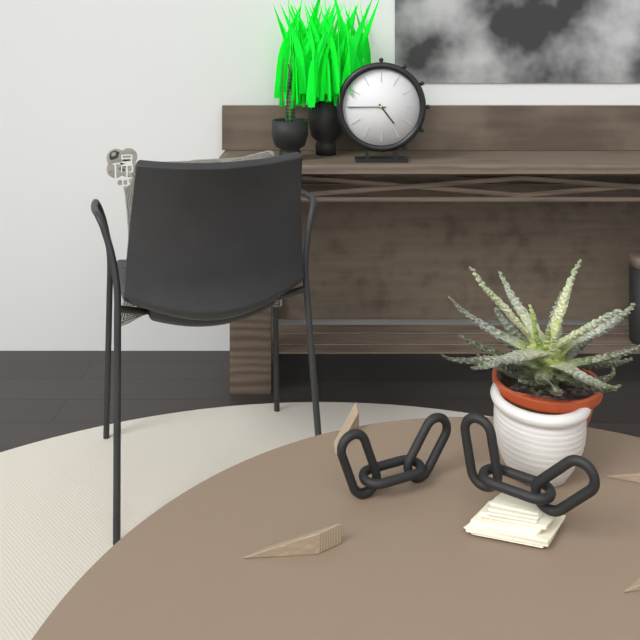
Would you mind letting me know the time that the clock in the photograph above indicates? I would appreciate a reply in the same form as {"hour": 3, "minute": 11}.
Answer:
{"hour": 4, "minute": 45}
